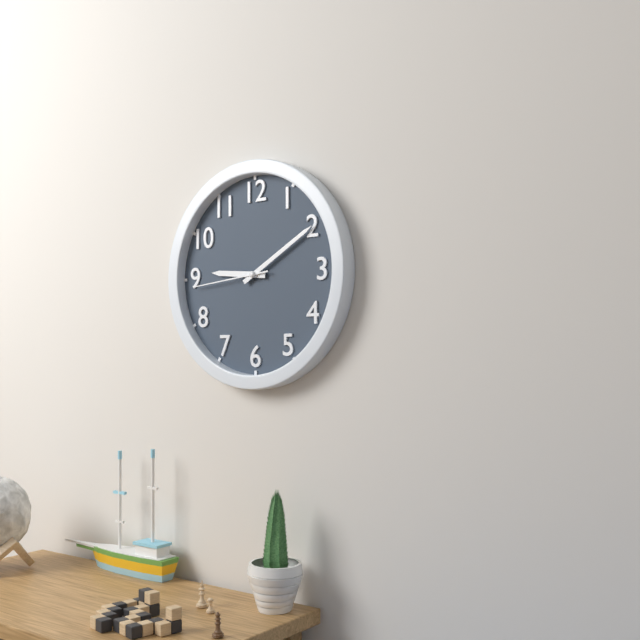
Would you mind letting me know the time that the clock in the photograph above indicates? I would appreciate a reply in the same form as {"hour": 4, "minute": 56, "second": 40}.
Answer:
{"hour": 9, "minute": 10, "second": 44}
